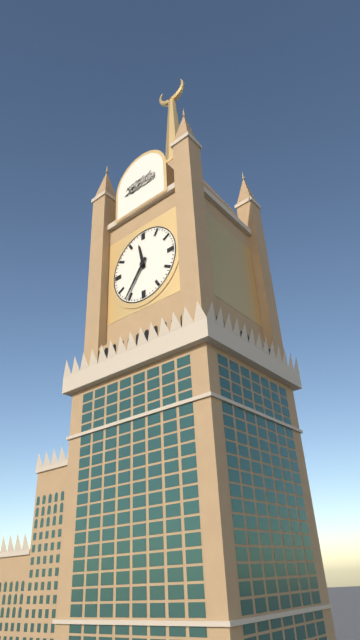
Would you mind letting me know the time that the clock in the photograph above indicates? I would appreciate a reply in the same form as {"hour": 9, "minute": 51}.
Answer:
{"hour": 11, "minute": 36}
